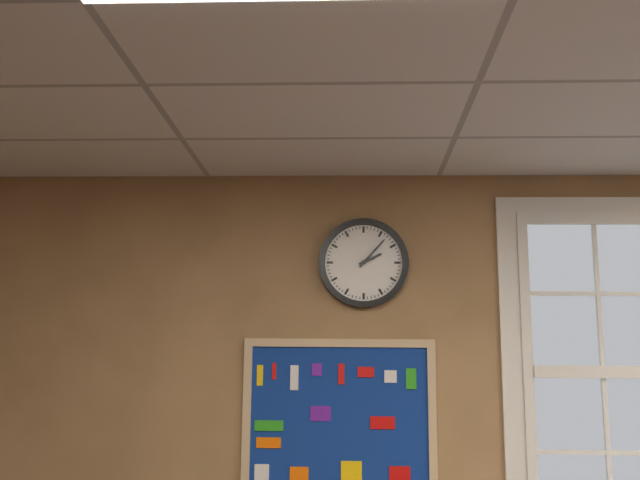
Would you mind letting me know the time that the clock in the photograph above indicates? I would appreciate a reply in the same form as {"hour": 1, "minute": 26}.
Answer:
{"hour": 2, "minute": 7}
